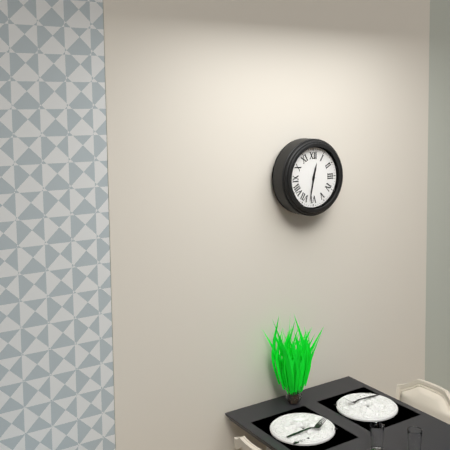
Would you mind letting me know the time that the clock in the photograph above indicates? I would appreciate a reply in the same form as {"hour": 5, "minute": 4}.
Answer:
{"hour": 12, "minute": 32}
